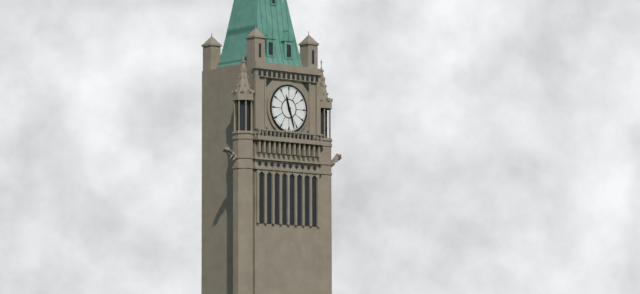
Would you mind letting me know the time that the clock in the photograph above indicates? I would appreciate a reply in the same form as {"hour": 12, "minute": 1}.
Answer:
{"hour": 11, "minute": 27}
